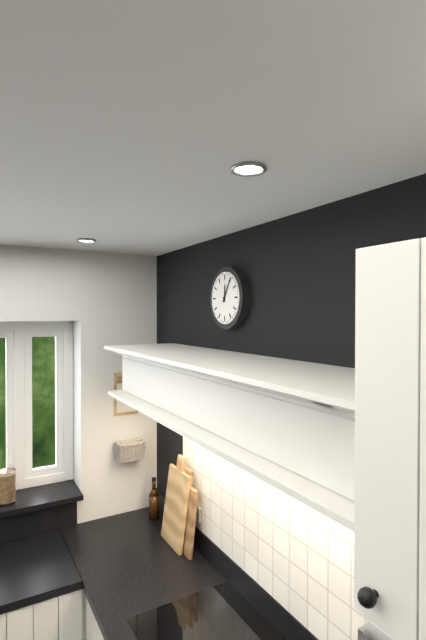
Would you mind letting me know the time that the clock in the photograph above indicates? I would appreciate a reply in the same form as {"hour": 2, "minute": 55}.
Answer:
{"hour": 12, "minute": 5}
